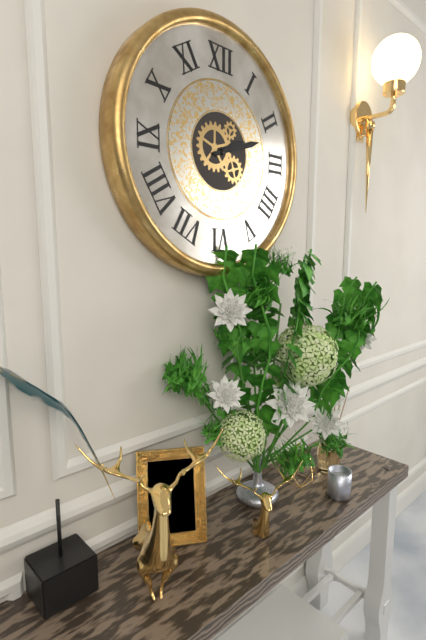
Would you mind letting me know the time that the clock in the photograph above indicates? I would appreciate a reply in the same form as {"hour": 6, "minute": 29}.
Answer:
{"hour": 2, "minute": 12}
